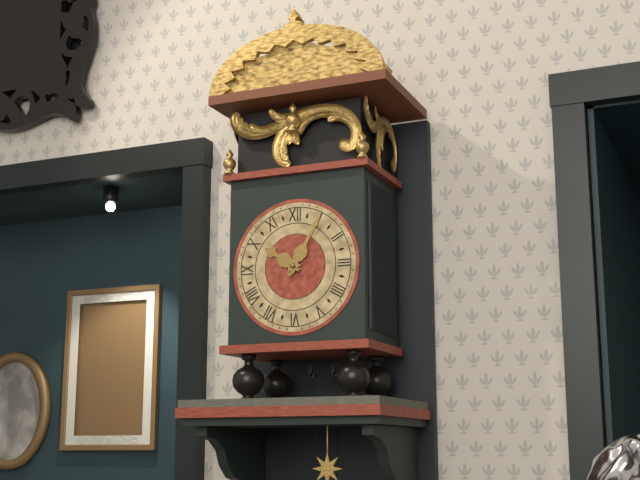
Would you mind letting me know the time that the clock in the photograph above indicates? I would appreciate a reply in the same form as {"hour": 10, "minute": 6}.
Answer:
{"hour": 10, "minute": 5}
